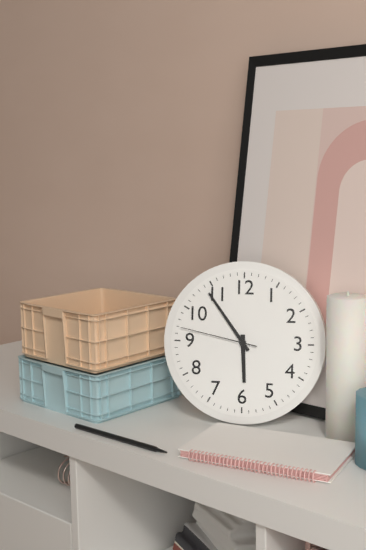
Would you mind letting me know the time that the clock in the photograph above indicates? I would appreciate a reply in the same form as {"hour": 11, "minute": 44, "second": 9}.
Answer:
{"hour": 5, "minute": 54, "second": 47}
